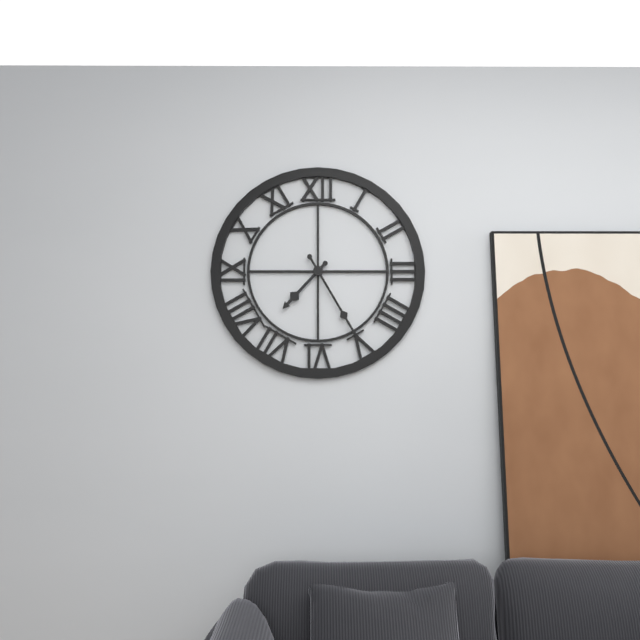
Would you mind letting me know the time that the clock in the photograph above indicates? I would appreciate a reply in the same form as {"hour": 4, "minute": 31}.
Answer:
{"hour": 7, "minute": 25}
